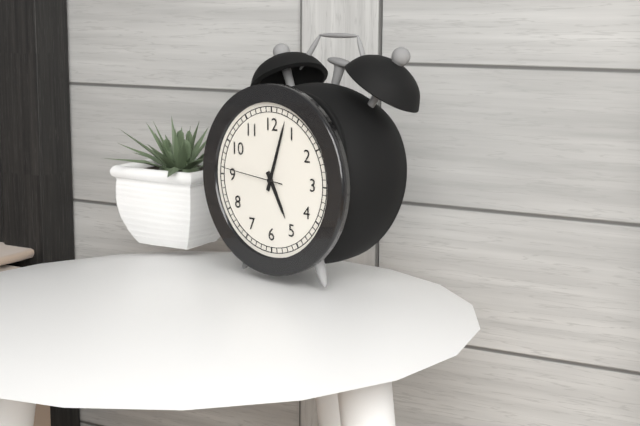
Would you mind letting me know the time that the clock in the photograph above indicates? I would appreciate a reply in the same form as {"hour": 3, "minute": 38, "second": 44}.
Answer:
{"hour": 5, "minute": 3, "second": 46}
